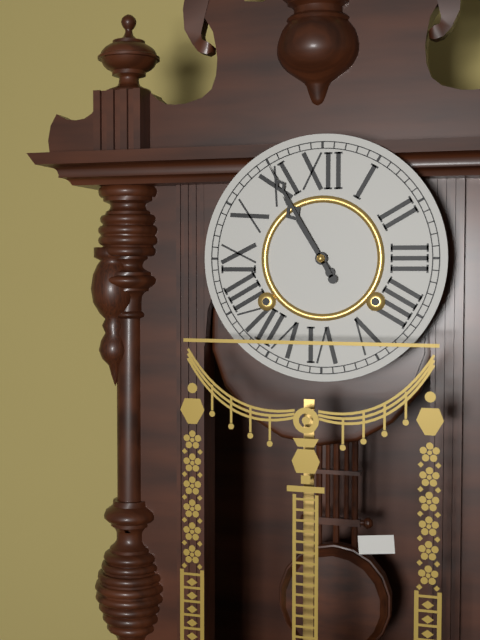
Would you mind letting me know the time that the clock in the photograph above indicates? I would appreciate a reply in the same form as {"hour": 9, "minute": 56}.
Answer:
{"hour": 10, "minute": 55}
